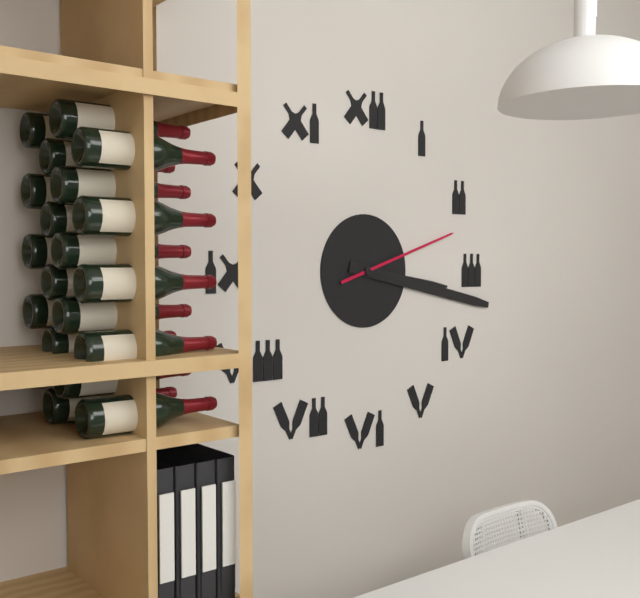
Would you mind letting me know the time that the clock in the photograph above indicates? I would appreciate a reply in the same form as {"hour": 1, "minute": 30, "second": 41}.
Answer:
{"hour": 3, "minute": 17, "second": 12}
